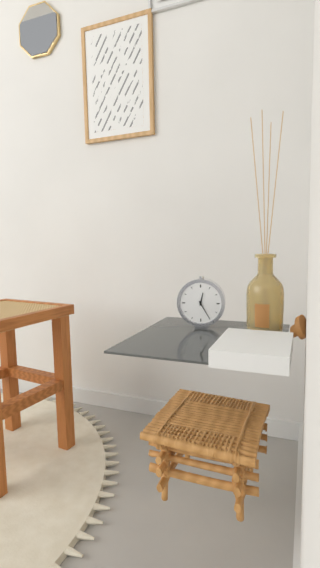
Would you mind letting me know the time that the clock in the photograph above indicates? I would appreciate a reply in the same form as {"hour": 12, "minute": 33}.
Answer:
{"hour": 12, "minute": 25}
